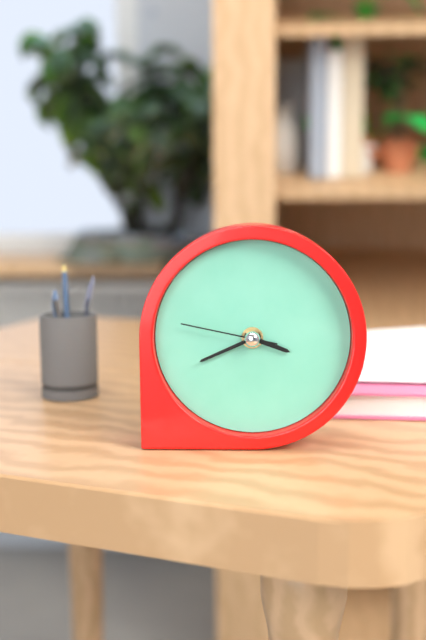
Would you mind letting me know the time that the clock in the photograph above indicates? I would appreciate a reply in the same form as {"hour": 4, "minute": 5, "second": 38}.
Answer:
{"hour": 3, "minute": 41, "second": 47}
